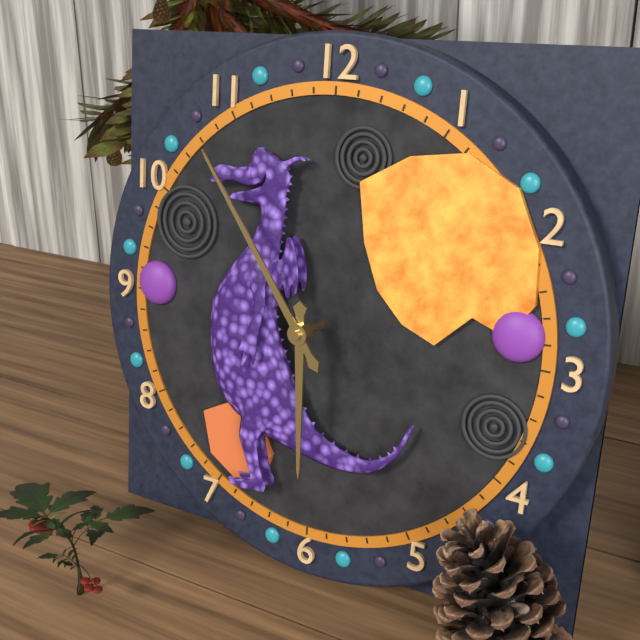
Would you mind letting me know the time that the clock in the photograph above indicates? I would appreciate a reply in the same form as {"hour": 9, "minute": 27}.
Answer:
{"hour": 5, "minute": 54}
